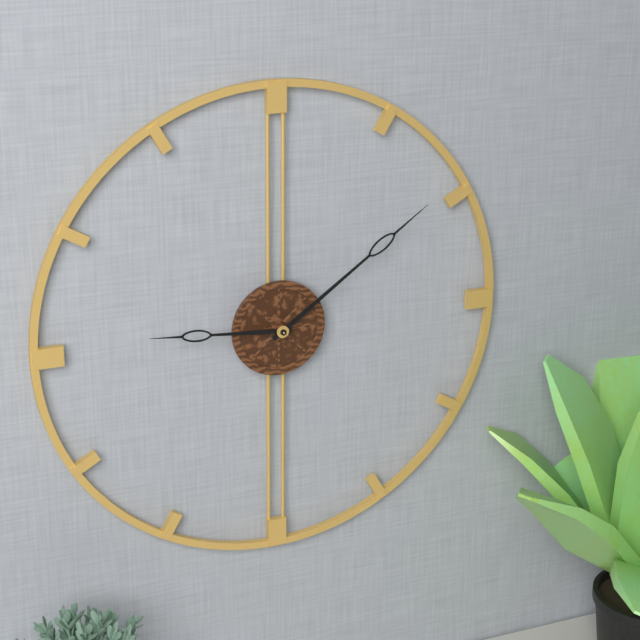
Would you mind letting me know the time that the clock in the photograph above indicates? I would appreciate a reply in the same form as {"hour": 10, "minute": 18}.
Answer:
{"hour": 9, "minute": 9}
